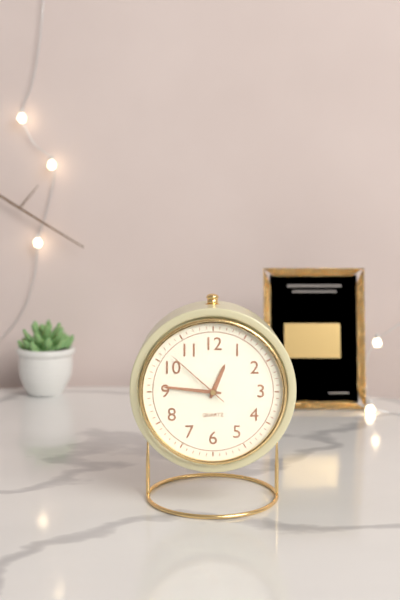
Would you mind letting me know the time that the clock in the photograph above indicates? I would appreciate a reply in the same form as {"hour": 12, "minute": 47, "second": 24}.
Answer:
{"hour": 12, "minute": 46, "second": 52}
